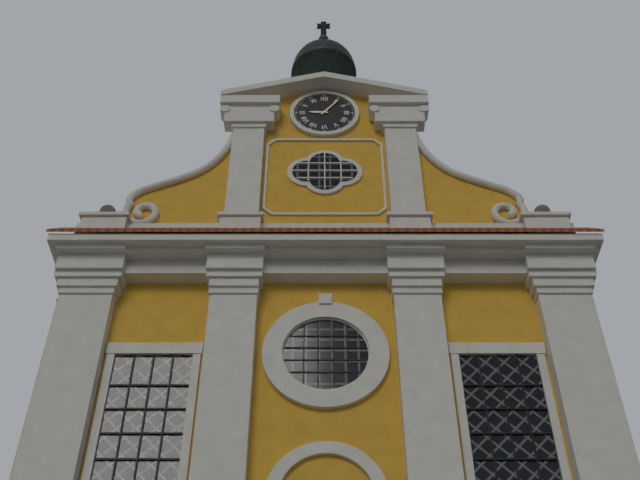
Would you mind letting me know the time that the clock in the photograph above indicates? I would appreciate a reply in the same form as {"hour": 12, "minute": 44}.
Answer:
{"hour": 9, "minute": 6}
